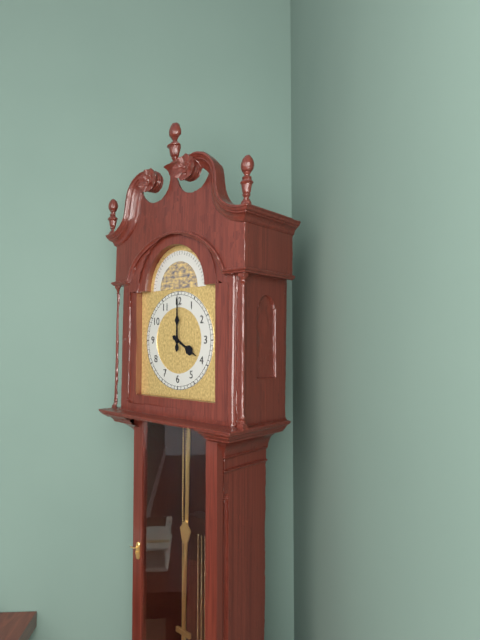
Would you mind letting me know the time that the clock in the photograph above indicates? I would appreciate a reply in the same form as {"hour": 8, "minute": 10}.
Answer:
{"hour": 4, "minute": 0}
